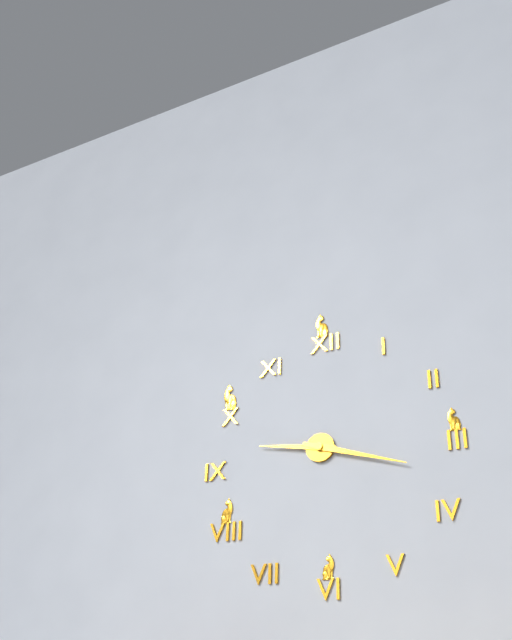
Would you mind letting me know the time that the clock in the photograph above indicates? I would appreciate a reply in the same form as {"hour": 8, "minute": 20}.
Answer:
{"hour": 9, "minute": 18}
